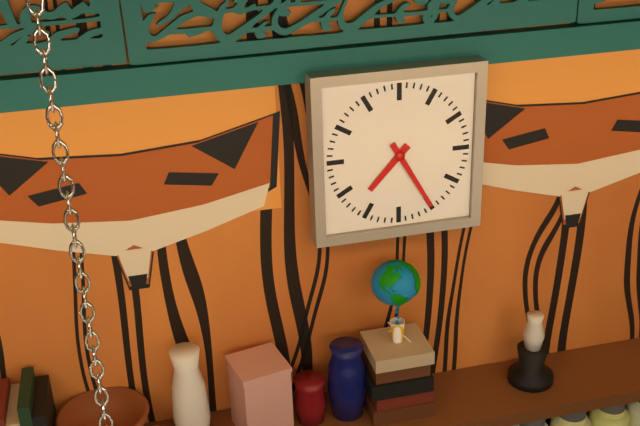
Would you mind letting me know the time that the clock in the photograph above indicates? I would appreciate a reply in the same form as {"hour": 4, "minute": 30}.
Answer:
{"hour": 7, "minute": 25}
